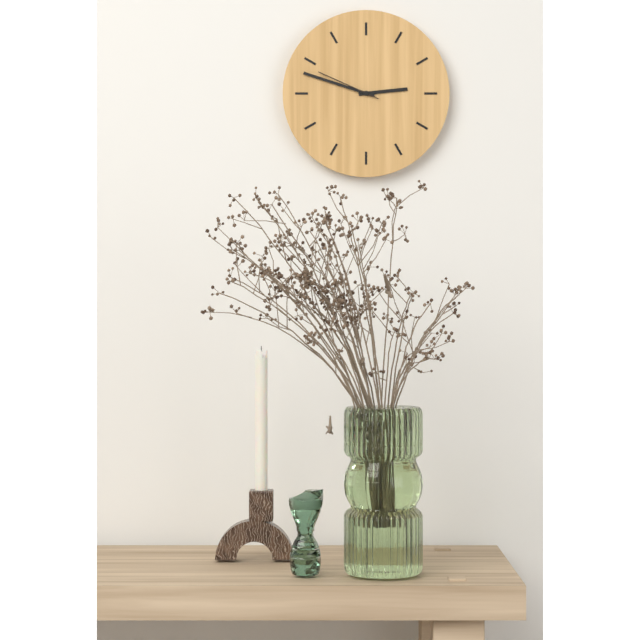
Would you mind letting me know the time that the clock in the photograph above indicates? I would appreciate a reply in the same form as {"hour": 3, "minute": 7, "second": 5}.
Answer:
{"hour": 2, "minute": 48, "second": 49}
